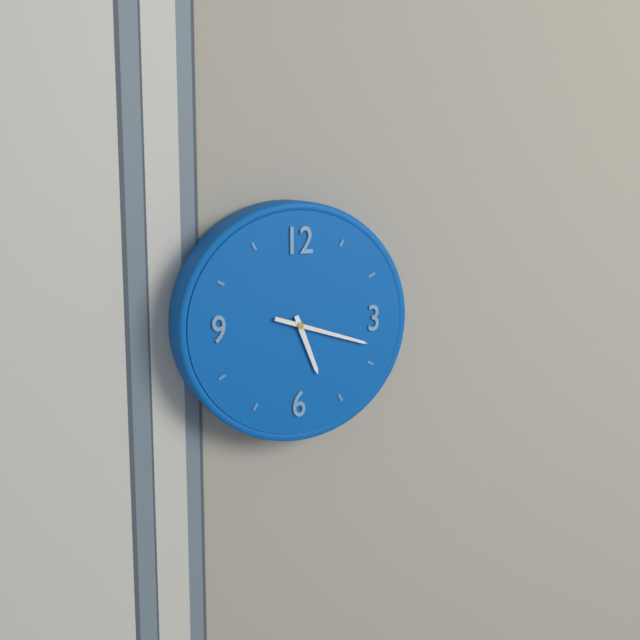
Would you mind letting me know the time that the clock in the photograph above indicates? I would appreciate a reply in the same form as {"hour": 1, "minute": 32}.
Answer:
{"hour": 5, "minute": 18}
